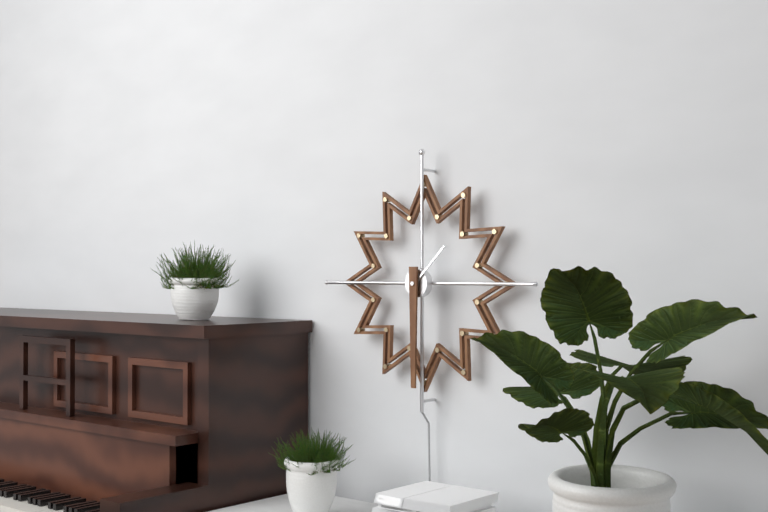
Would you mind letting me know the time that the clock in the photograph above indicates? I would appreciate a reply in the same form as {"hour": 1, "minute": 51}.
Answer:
{"hour": 1, "minute": 30}
